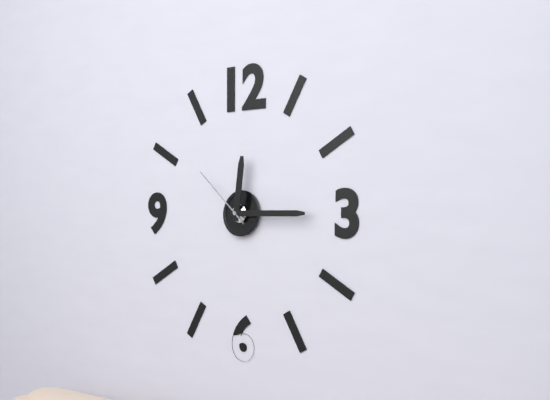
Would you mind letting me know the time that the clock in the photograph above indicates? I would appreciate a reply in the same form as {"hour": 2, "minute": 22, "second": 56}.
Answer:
{"hour": 12, "minute": 15, "second": 52}
